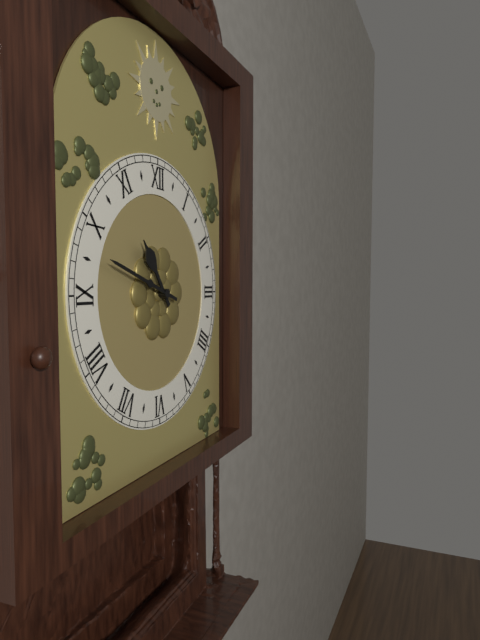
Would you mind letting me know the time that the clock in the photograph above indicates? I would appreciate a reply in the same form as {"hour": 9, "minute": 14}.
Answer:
{"hour": 10, "minute": 48}
